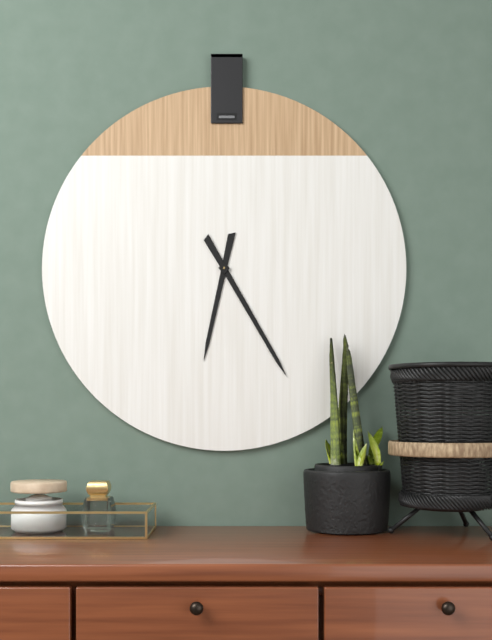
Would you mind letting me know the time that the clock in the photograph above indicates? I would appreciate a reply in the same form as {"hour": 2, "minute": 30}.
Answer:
{"hour": 6, "minute": 25}
